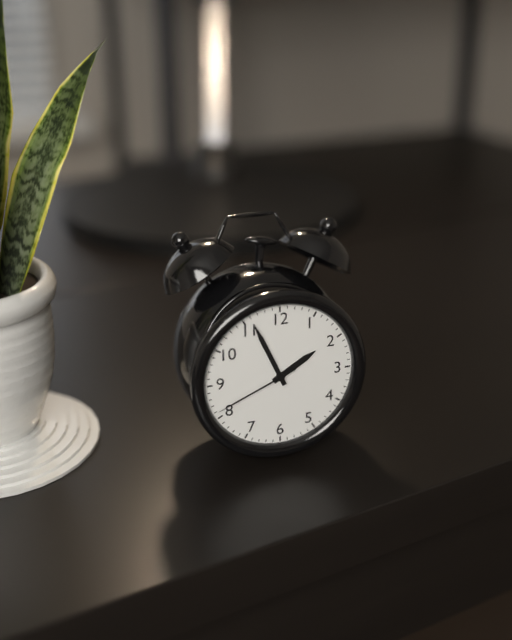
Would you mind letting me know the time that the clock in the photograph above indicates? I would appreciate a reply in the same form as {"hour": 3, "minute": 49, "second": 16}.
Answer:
{"hour": 1, "minute": 56, "second": 41}
